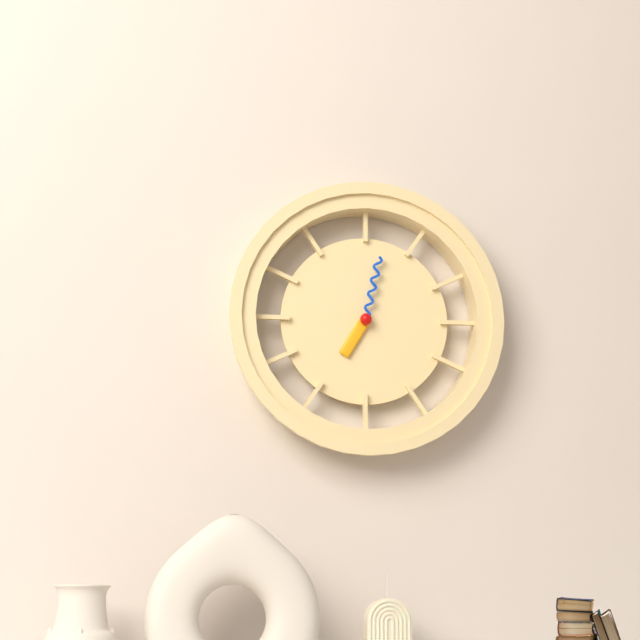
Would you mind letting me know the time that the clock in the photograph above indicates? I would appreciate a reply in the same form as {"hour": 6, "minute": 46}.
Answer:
{"hour": 7, "minute": 2}
